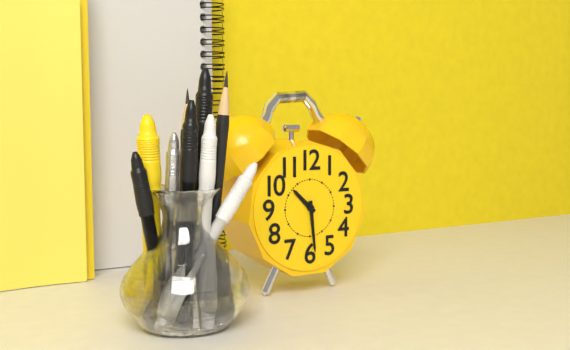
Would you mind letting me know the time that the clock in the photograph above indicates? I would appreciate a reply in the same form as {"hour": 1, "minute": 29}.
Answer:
{"hour": 10, "minute": 29}
